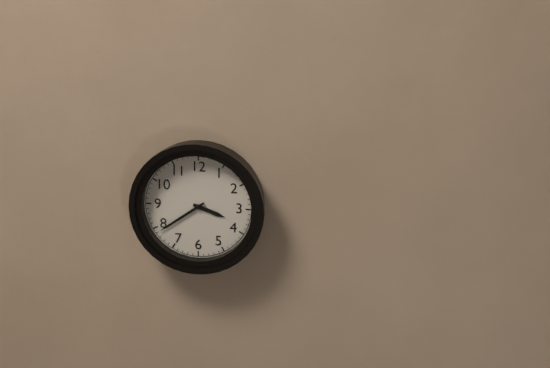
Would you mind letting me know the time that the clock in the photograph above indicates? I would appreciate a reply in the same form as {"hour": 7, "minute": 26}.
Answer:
{"hour": 3, "minute": 39}
